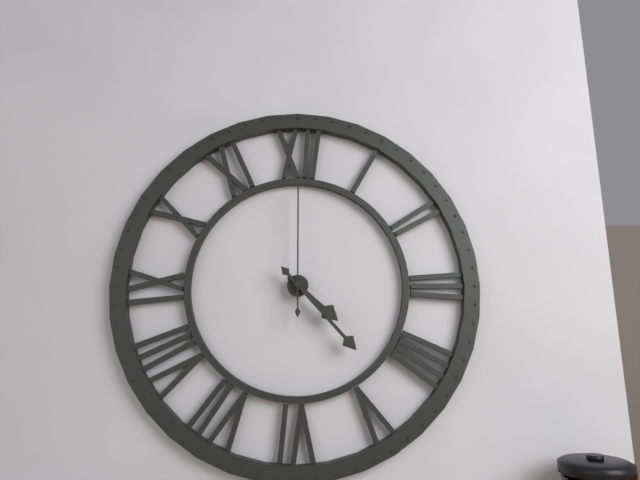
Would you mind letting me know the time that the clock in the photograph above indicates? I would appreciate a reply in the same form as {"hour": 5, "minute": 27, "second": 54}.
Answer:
{"hour": 4, "minute": 23, "second": 0}
